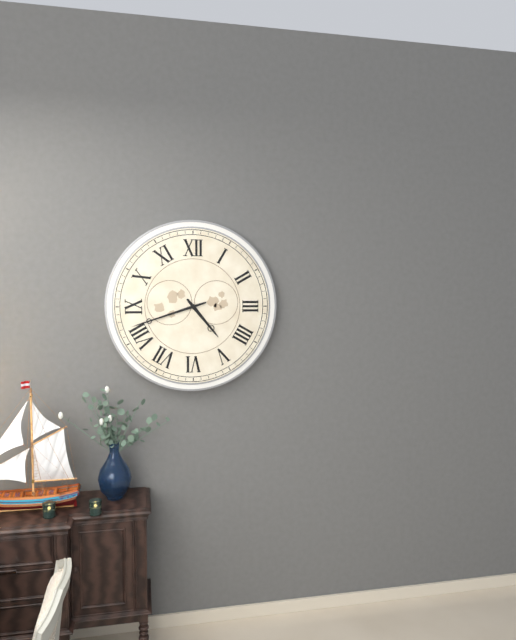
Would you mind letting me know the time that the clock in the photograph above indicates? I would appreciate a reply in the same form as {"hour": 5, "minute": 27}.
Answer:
{"hour": 4, "minute": 42}
